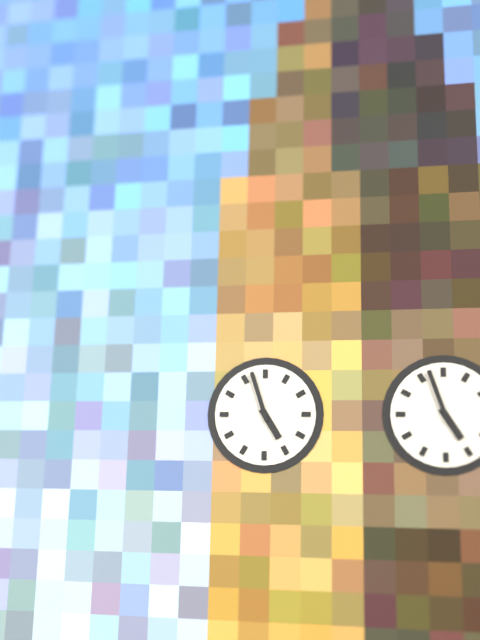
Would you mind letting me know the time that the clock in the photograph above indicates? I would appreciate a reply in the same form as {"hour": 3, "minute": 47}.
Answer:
{"hour": 4, "minute": 57}
